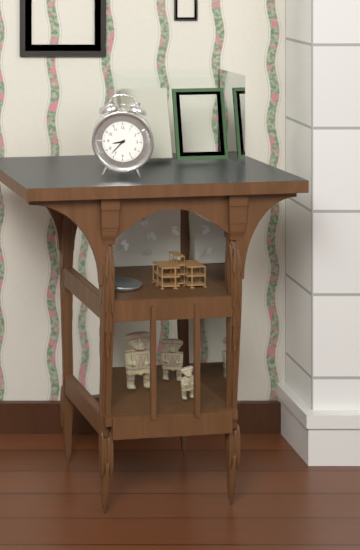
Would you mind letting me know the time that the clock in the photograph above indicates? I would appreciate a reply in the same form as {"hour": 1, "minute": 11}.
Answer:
{"hour": 8, "minute": 37}
